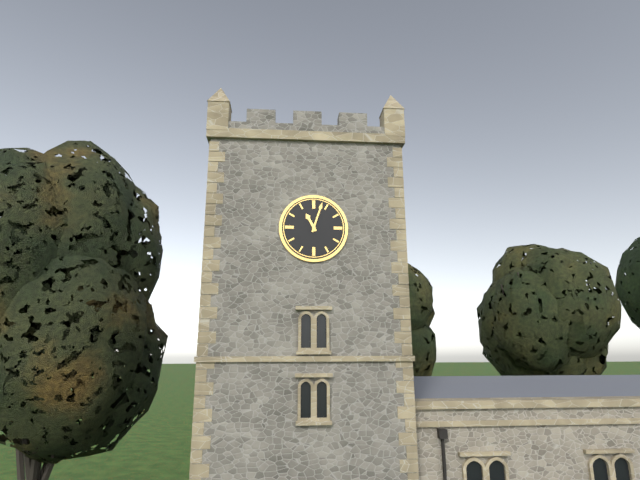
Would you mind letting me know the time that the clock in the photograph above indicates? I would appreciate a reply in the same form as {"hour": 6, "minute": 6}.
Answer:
{"hour": 11, "minute": 3}
